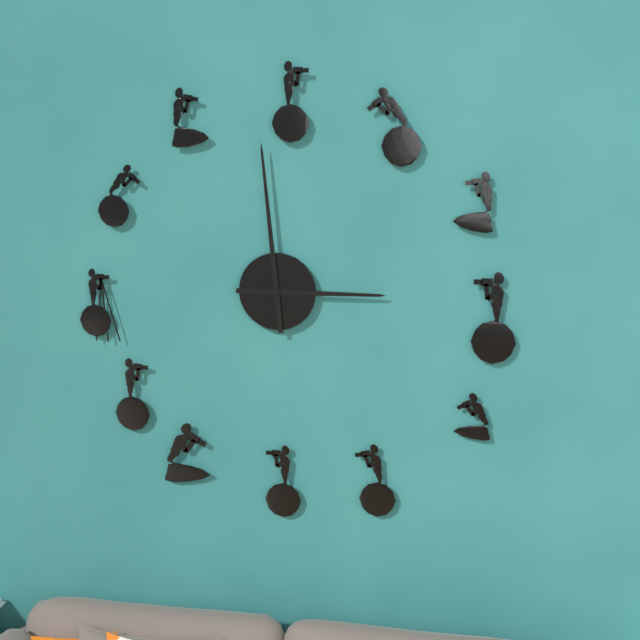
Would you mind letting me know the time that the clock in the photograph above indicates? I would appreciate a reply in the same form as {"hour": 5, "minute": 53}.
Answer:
{"hour": 2, "minute": 59}
